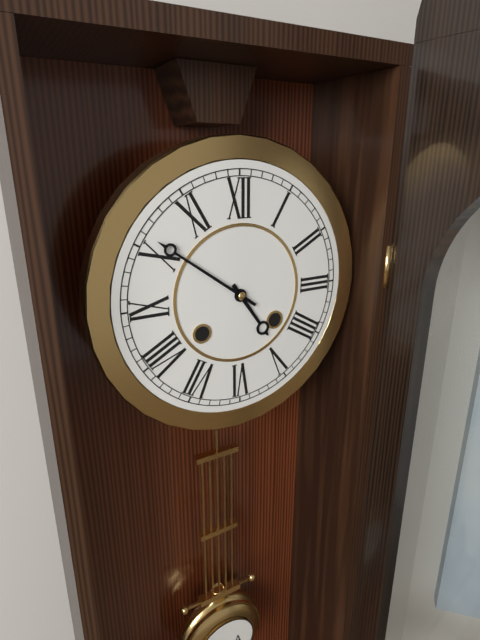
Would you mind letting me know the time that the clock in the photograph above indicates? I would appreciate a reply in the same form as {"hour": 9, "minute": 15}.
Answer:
{"hour": 4, "minute": 51}
